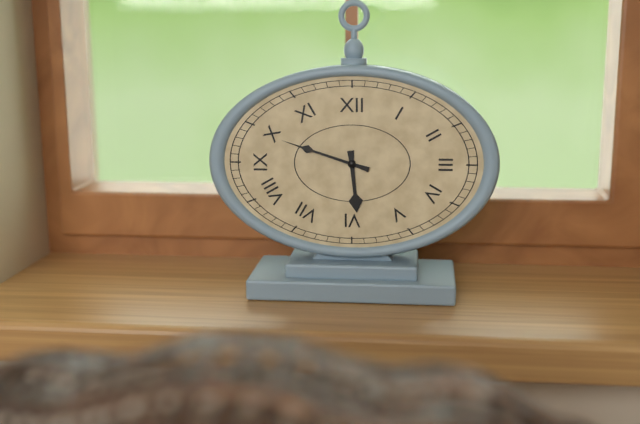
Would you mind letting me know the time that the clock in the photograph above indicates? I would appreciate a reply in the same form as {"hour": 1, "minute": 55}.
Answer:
{"hour": 5, "minute": 48}
